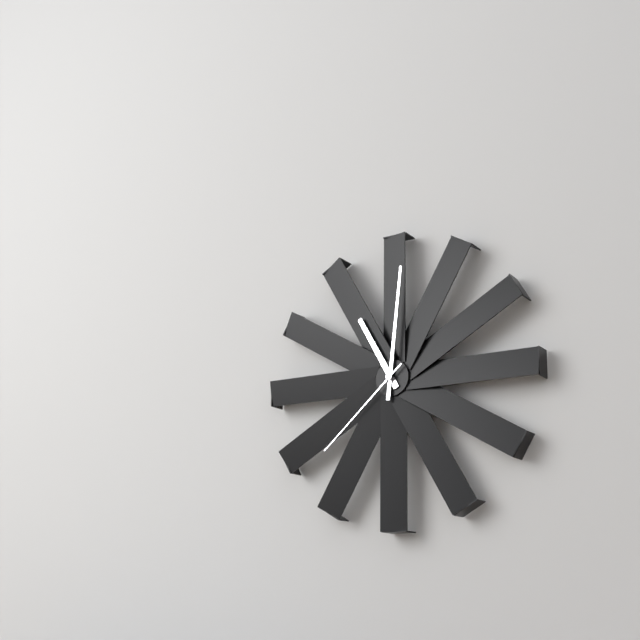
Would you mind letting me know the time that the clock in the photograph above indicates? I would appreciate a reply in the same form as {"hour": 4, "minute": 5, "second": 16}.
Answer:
{"hour": 11, "minute": 1, "second": 38}
